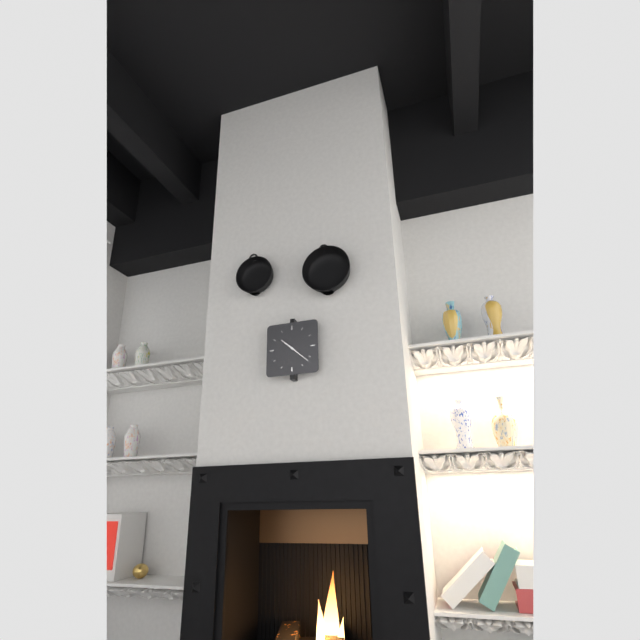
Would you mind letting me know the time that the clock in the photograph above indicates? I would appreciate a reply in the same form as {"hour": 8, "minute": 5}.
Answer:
{"hour": 10, "minute": 22}
